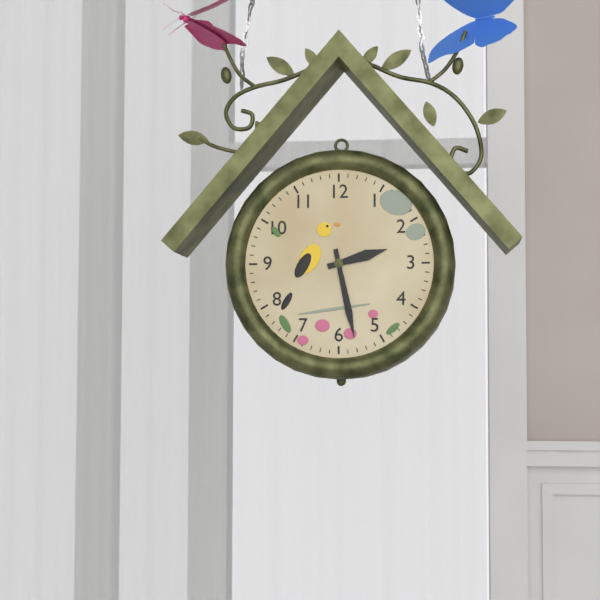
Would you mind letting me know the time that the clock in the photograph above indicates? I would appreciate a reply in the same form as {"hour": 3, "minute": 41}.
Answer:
{"hour": 2, "minute": 28}
